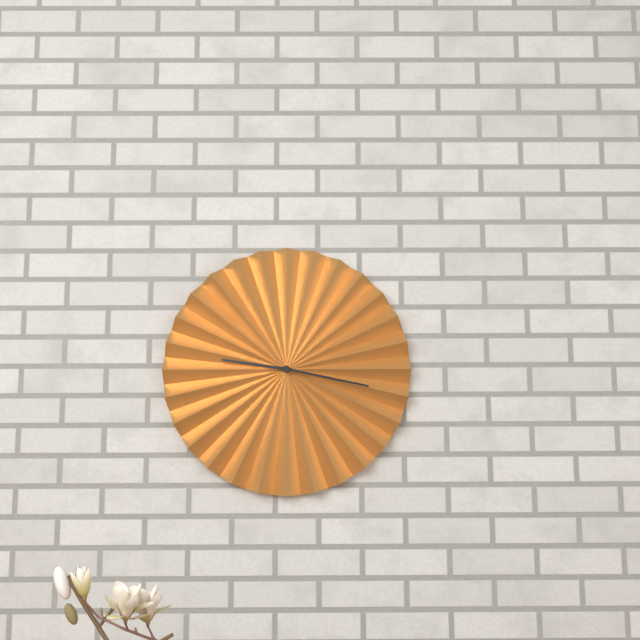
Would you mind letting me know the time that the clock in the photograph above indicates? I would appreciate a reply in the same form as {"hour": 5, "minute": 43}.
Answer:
{"hour": 9, "minute": 17}
